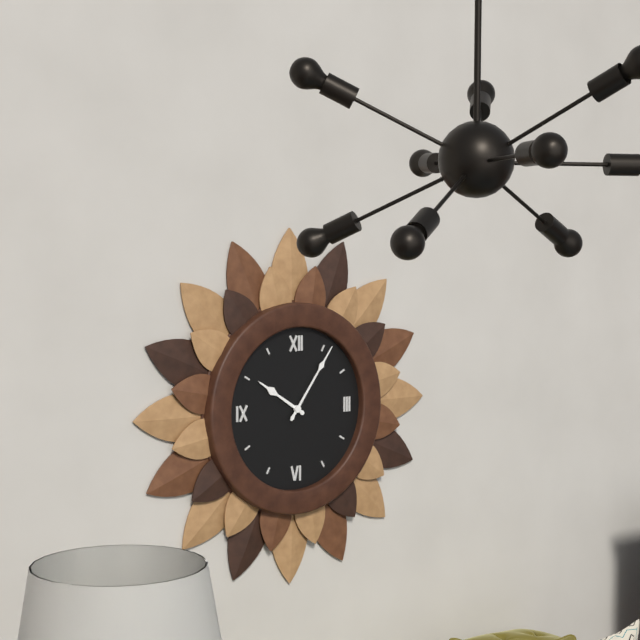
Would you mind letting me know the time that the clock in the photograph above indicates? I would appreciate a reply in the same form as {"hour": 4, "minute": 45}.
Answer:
{"hour": 10, "minute": 6}
